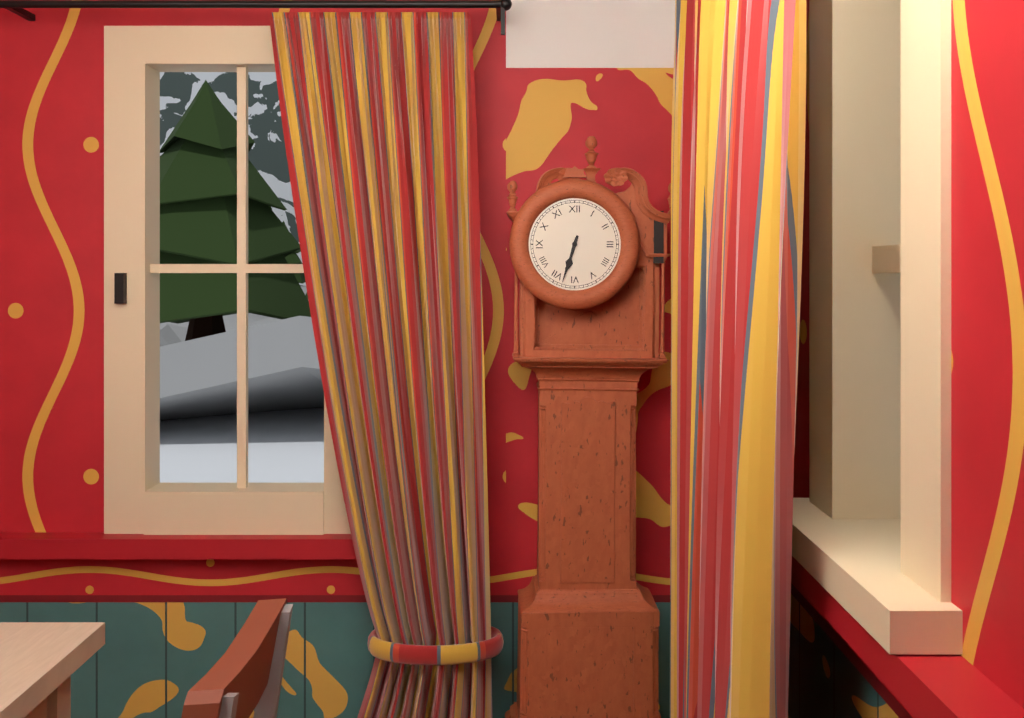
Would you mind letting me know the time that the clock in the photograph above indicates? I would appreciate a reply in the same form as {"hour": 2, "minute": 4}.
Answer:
{"hour": 6, "minute": 33}
